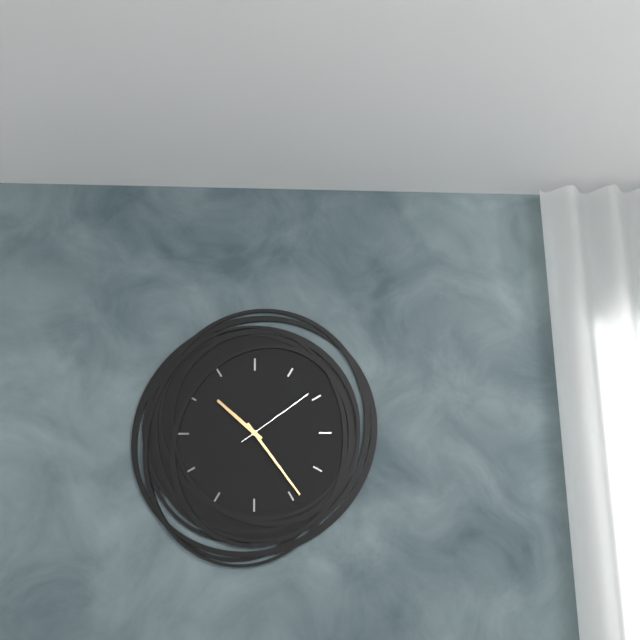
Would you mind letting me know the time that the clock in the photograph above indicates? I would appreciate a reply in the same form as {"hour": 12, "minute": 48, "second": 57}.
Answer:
{"hour": 10, "minute": 24, "second": 9}
